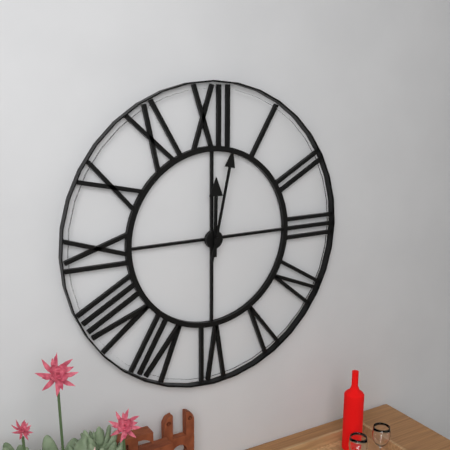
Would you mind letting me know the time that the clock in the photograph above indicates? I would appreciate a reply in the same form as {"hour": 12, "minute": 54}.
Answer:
{"hour": 12, "minute": 2}
